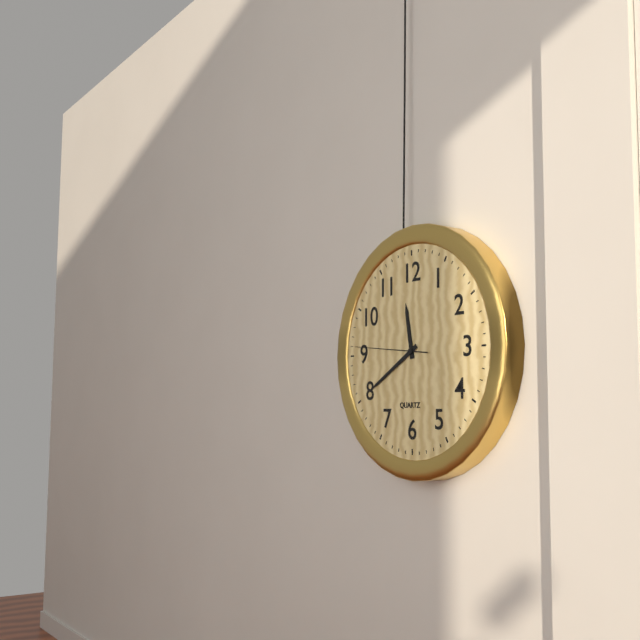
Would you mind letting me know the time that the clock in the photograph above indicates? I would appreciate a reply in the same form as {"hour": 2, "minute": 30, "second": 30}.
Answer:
{"hour": 11, "minute": 40, "second": 46}
